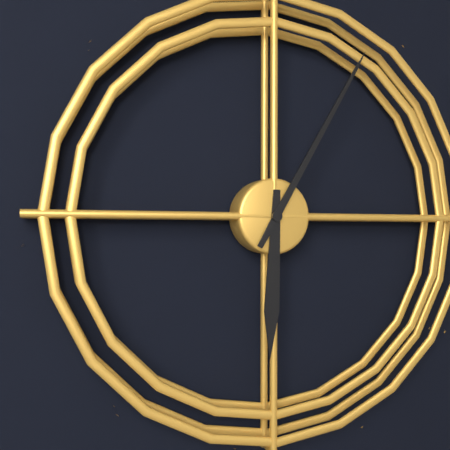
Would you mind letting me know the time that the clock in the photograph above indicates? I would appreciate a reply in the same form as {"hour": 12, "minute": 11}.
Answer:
{"hour": 6, "minute": 5}
